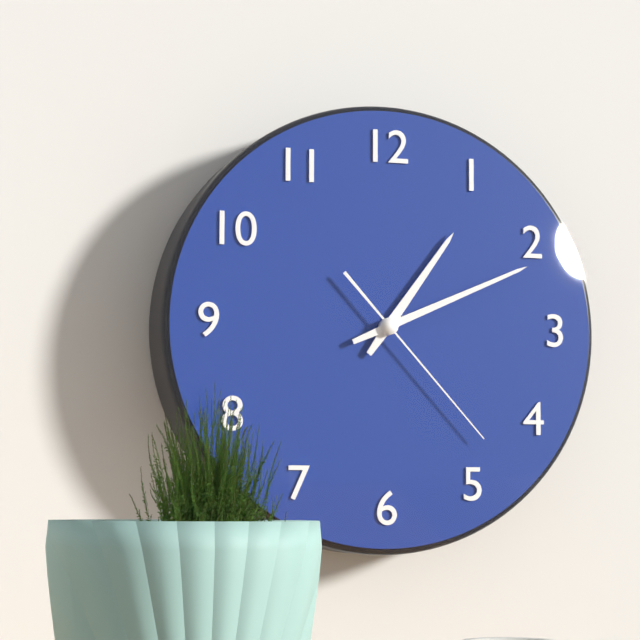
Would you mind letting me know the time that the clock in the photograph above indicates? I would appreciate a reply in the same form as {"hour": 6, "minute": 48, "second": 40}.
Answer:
{"hour": 1, "minute": 11, "second": 23}
